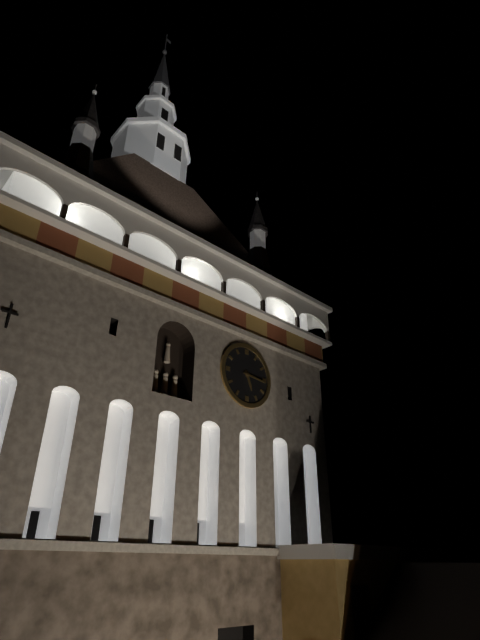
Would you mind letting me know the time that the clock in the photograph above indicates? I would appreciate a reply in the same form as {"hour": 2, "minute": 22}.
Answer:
{"hour": 5, "minute": 16}
